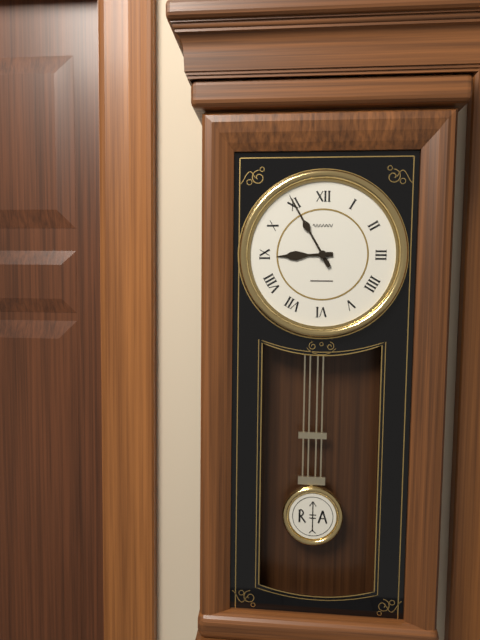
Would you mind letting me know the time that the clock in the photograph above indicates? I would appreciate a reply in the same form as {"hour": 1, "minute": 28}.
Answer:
{"hour": 8, "minute": 55}
